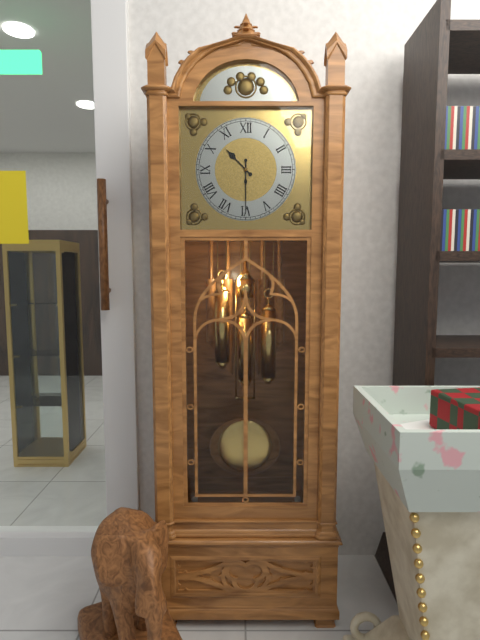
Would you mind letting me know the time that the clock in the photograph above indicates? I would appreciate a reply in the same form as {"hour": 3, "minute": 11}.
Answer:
{"hour": 10, "minute": 30}
